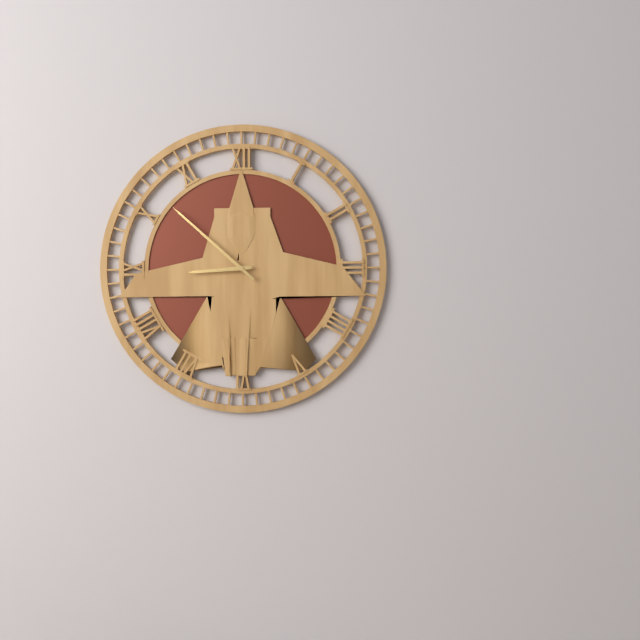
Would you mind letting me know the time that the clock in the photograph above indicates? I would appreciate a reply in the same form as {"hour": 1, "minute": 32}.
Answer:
{"hour": 8, "minute": 52}
